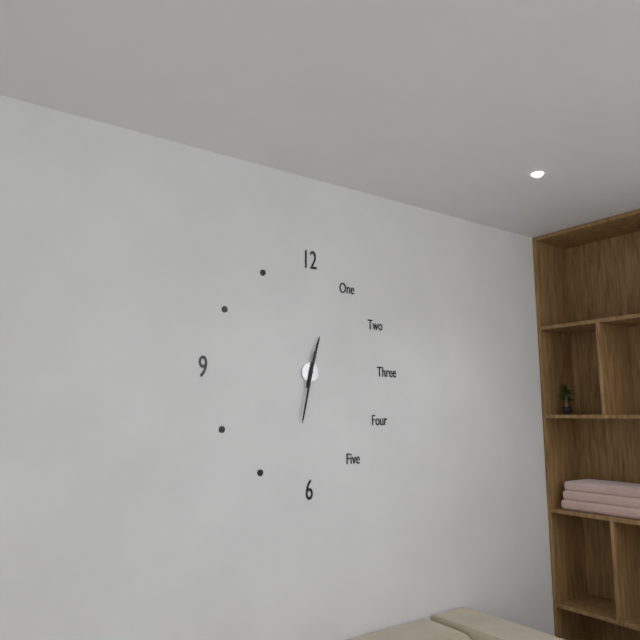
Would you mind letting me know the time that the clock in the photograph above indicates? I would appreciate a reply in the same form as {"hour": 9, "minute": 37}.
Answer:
{"hour": 12, "minute": 32}
